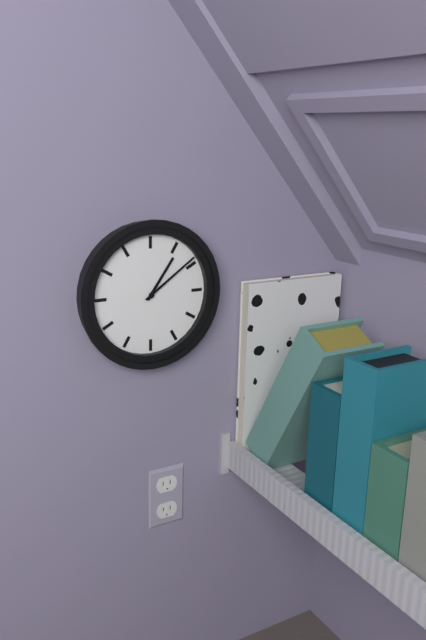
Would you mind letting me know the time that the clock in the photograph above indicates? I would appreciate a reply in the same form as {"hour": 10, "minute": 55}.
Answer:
{"hour": 1, "minute": 9}
